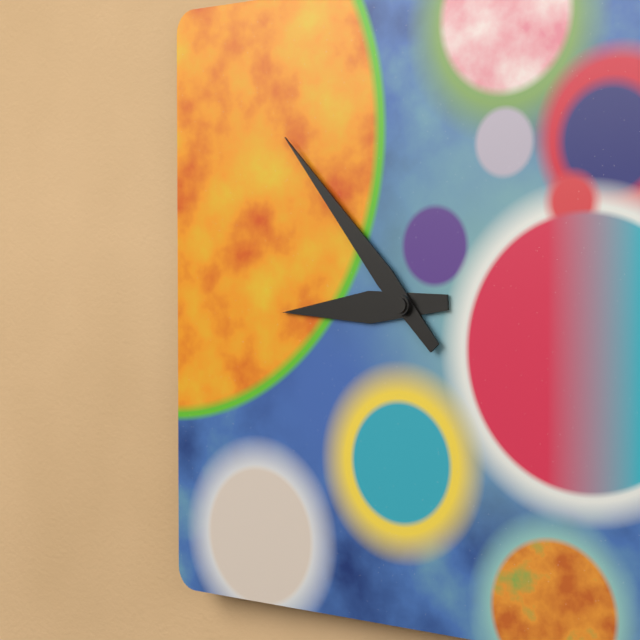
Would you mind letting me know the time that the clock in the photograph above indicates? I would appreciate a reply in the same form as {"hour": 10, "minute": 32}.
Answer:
{"hour": 8, "minute": 53}
